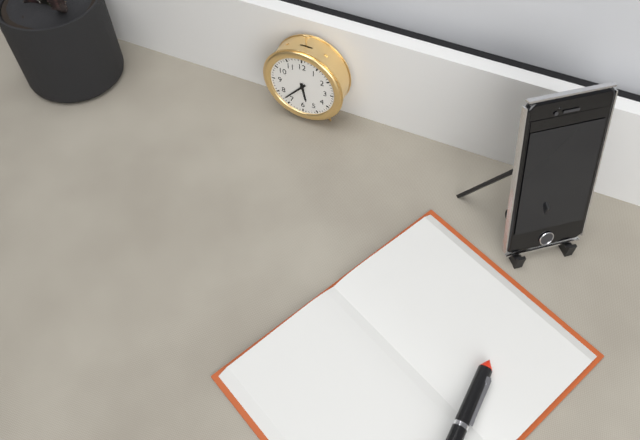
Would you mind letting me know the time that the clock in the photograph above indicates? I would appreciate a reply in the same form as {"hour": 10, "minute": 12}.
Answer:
{"hour": 5, "minute": 37}
